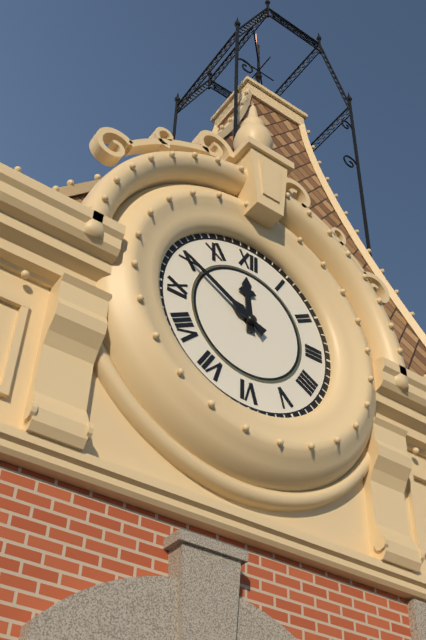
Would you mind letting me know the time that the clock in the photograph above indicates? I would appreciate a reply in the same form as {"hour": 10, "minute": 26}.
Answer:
{"hour": 11, "minute": 50}
